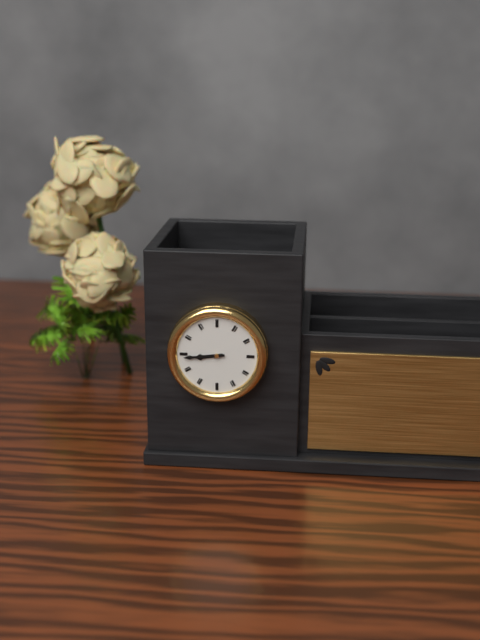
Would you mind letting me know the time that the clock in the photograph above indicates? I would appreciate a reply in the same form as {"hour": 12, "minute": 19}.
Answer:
{"hour": 8, "minute": 44}
